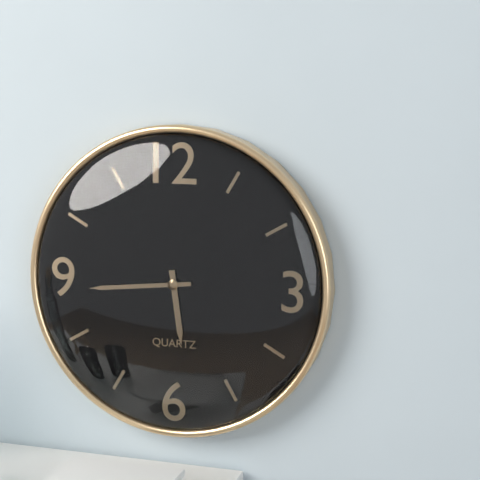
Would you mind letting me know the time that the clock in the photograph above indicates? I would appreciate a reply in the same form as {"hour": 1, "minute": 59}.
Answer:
{"hour": 5, "minute": 44}
